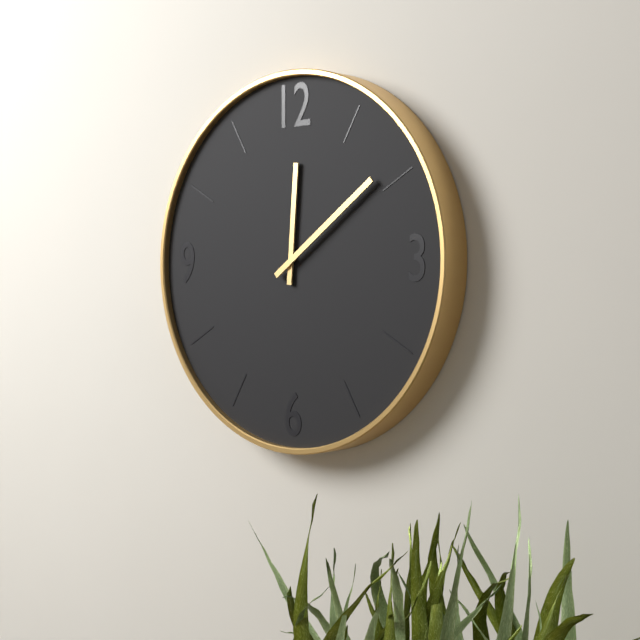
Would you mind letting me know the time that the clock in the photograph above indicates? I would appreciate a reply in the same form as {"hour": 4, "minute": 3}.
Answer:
{"hour": 12, "minute": 9}
